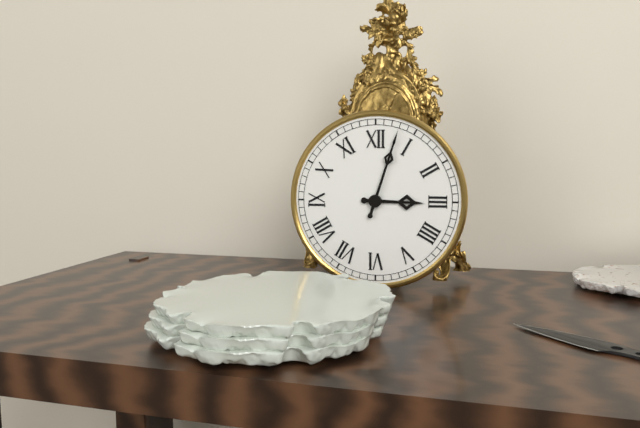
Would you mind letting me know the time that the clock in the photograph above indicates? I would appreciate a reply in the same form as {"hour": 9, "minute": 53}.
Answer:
{"hour": 3, "minute": 3}
